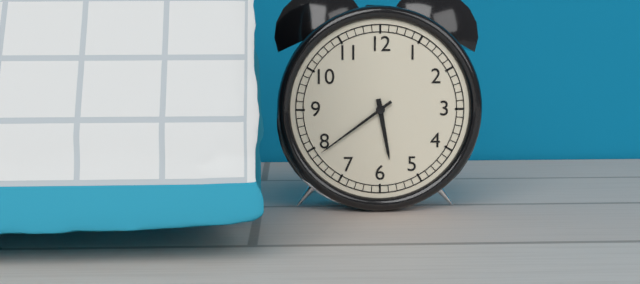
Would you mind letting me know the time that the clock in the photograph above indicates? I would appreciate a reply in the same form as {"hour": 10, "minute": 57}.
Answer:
{"hour": 5, "minute": 39}
